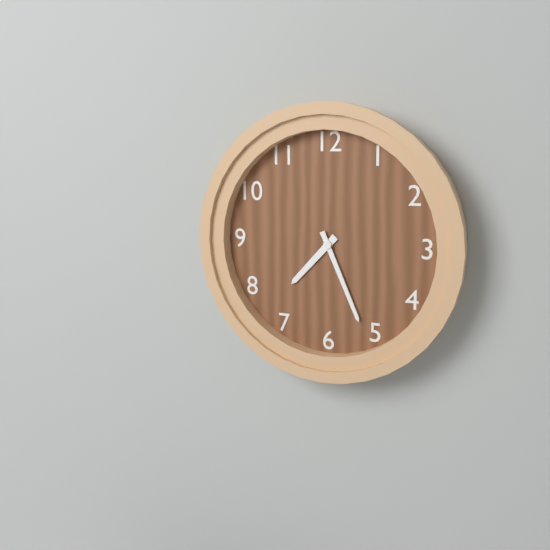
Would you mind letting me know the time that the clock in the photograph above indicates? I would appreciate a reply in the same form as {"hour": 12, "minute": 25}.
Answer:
{"hour": 7, "minute": 26}
